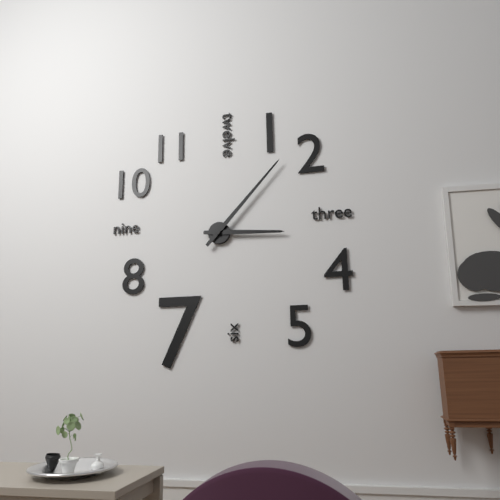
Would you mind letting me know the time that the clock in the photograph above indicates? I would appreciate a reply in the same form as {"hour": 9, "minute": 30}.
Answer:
{"hour": 3, "minute": 7}
